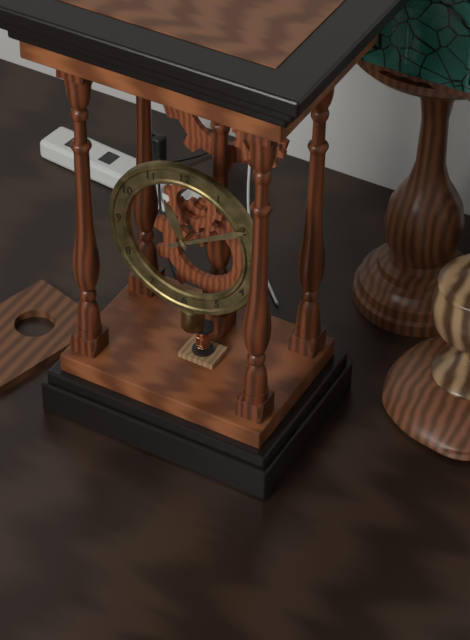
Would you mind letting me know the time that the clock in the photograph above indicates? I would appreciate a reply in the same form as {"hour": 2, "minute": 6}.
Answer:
{"hour": 11, "minute": 10}
